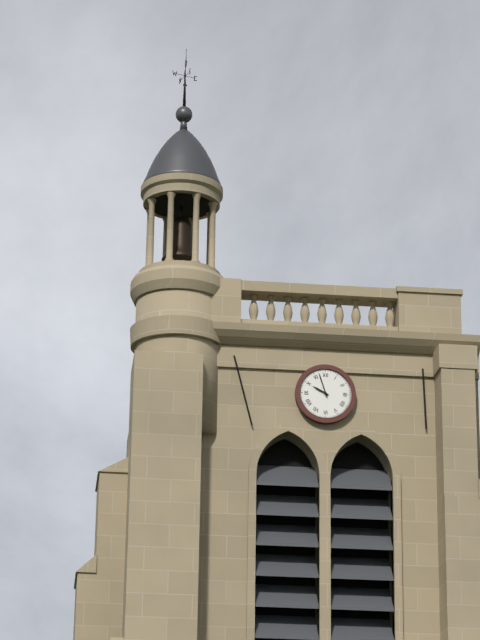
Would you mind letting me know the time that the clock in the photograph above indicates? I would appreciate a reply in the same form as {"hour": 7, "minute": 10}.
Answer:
{"hour": 9, "minute": 57}
